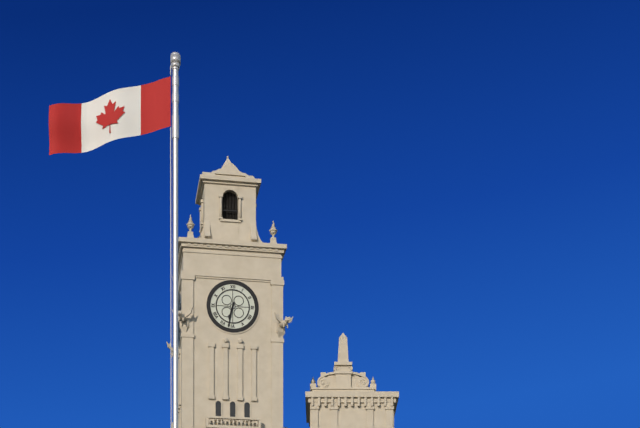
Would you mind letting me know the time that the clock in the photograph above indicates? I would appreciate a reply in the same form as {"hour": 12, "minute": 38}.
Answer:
{"hour": 6, "minute": 32}
